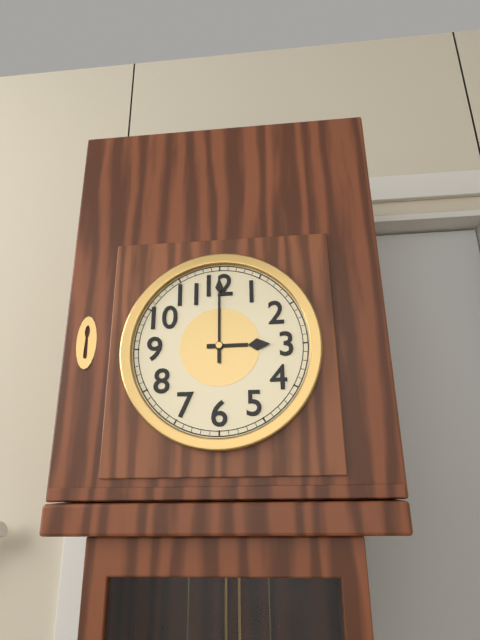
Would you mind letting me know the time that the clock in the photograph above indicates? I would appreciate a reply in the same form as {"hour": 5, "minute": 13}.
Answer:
{"hour": 3, "minute": 0}
